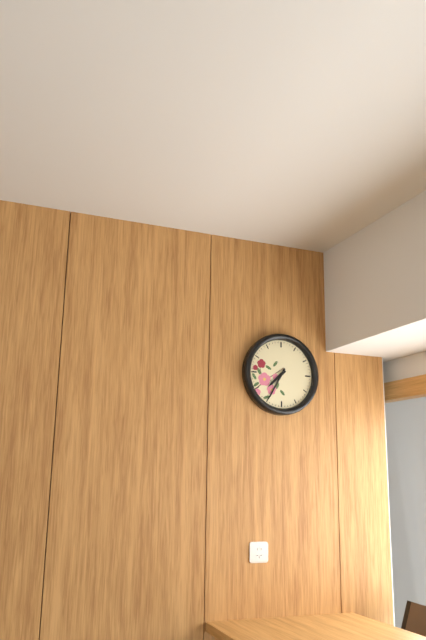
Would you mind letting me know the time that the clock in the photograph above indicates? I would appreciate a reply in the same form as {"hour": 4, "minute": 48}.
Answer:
{"hour": 7, "minute": 35}
